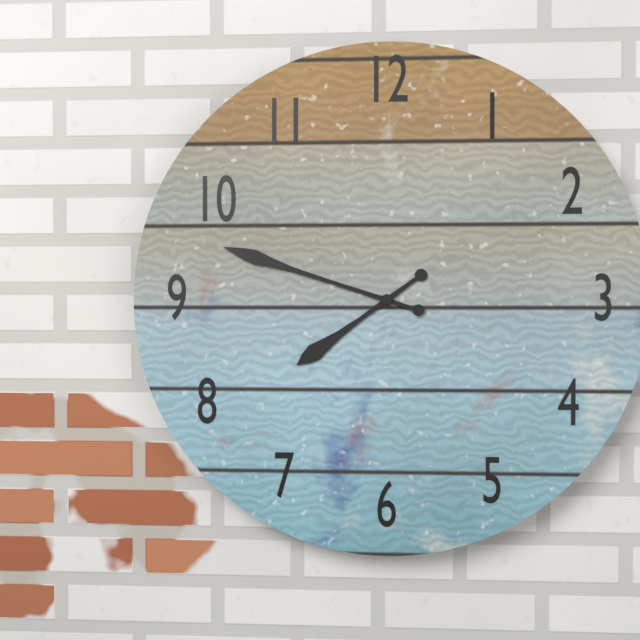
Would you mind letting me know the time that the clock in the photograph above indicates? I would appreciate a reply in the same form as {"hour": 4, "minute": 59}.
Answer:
{"hour": 7, "minute": 48}
